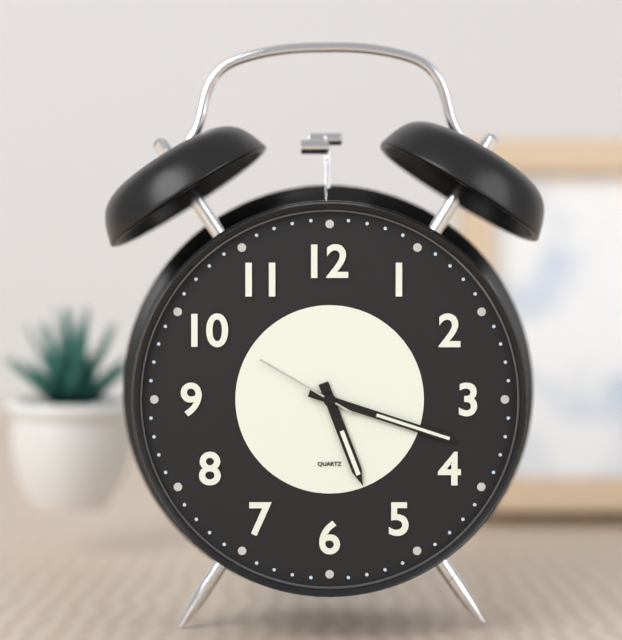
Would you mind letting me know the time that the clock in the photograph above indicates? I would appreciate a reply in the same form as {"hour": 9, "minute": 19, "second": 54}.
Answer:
{"hour": 5, "minute": 18, "second": 50}
